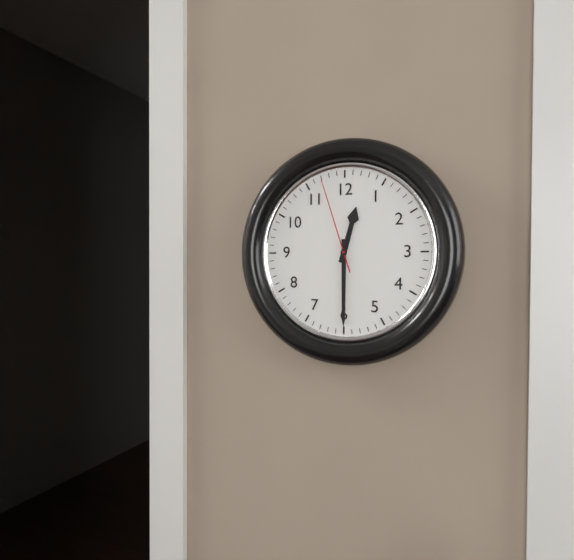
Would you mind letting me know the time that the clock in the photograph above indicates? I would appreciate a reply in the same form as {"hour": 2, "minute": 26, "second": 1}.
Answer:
{"hour": 12, "minute": 30, "second": 57}
